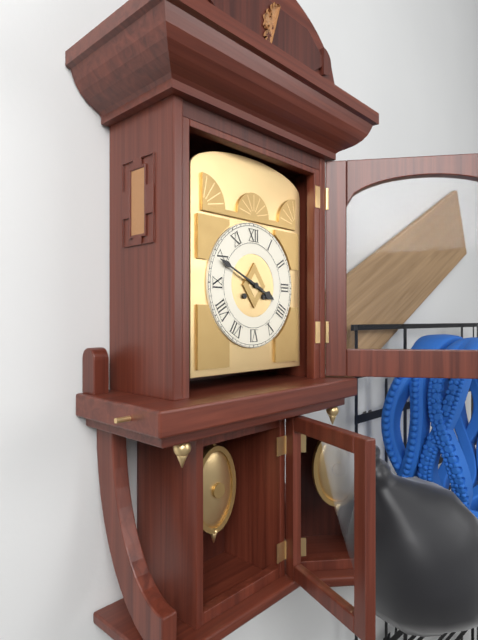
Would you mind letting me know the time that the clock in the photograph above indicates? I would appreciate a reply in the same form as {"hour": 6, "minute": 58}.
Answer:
{"hour": 3, "minute": 49}
